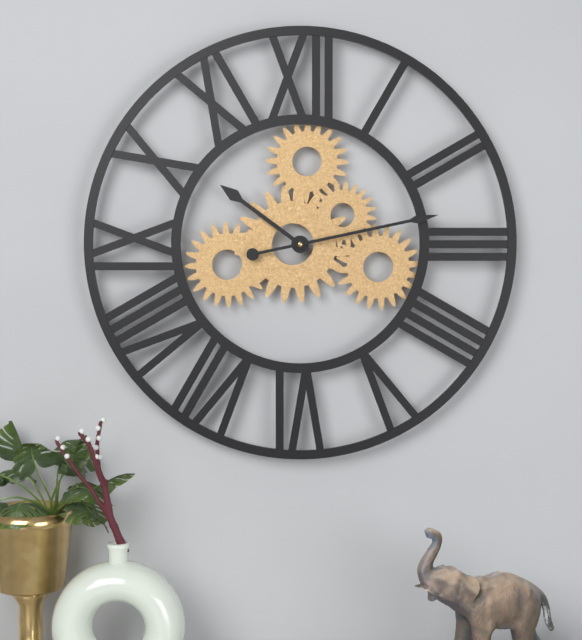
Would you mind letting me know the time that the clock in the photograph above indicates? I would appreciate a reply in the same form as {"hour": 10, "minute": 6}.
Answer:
{"hour": 10, "minute": 13}
